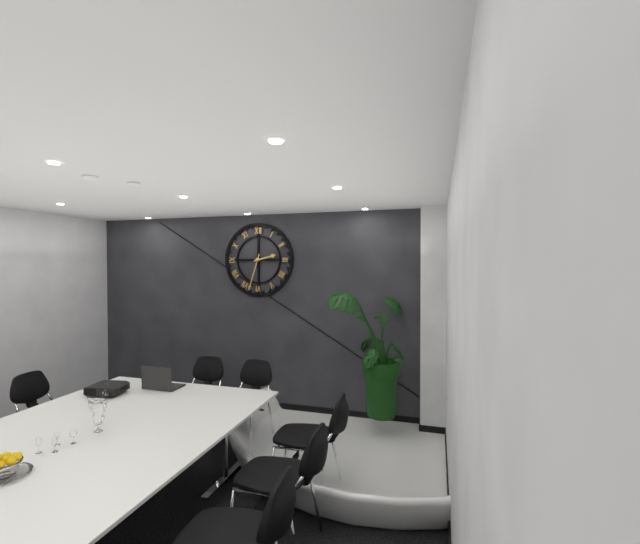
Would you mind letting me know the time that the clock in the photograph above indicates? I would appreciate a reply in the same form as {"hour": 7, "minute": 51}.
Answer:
{"hour": 2, "minute": 33}
